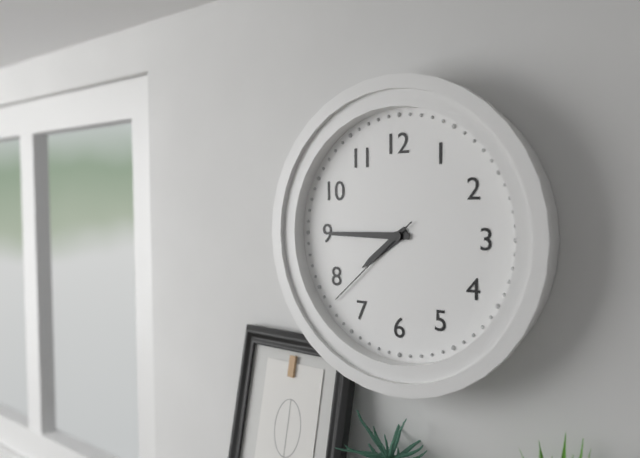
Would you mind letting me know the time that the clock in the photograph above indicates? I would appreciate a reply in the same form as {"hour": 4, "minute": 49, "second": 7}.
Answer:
{"hour": 7, "minute": 45, "second": 38}
